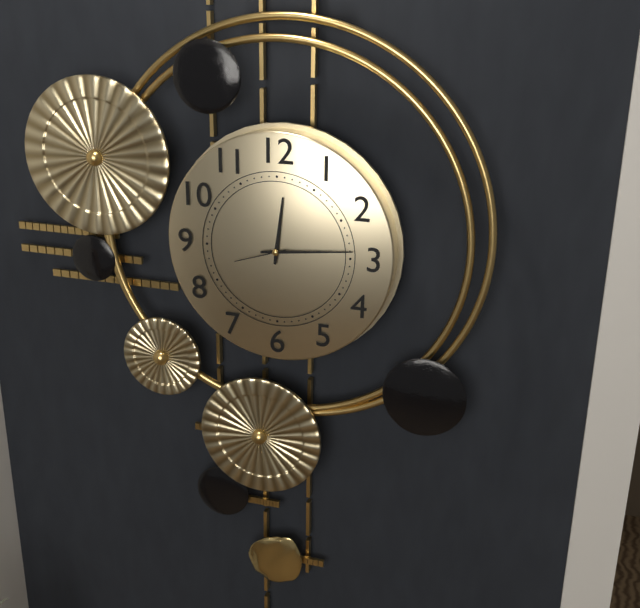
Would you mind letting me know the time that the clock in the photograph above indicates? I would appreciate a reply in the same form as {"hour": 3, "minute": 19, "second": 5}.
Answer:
{"hour": 12, "minute": 14, "second": 42}
